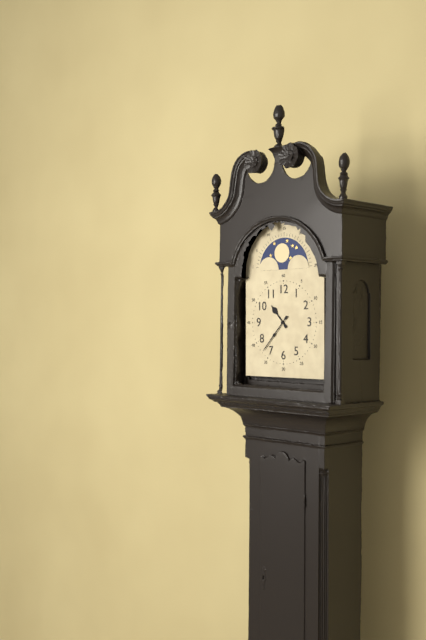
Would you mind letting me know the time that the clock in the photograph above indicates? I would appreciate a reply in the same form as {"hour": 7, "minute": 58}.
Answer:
{"hour": 10, "minute": 37}
